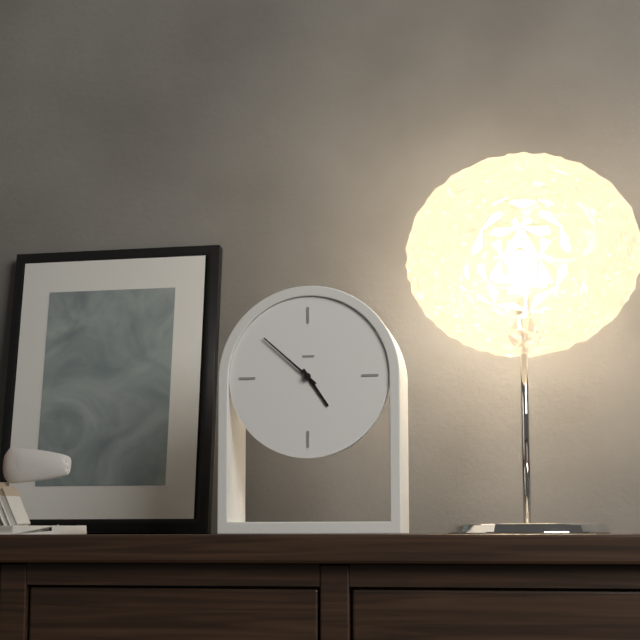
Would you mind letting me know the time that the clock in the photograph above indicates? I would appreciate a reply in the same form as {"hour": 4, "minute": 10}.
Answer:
{"hour": 4, "minute": 52}
